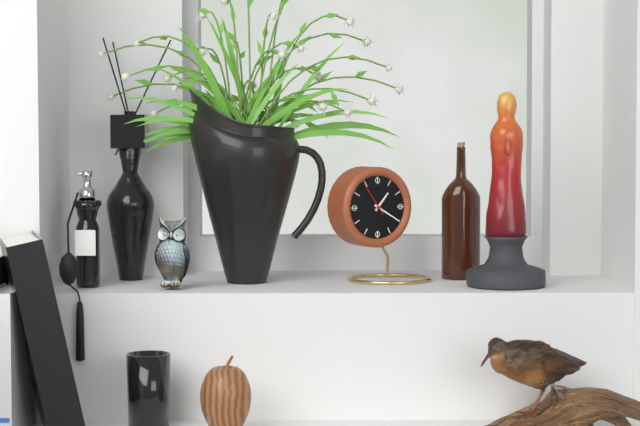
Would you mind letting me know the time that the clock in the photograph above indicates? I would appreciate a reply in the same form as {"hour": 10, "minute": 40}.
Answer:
{"hour": 1, "minute": 20}
